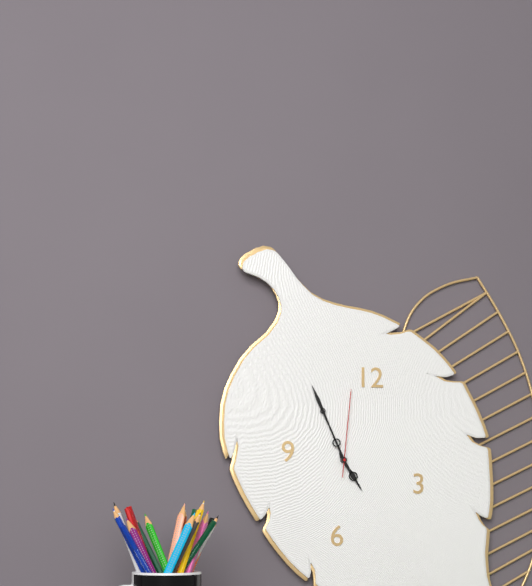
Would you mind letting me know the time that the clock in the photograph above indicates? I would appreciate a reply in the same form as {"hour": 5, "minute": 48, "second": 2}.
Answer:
{"hour": 4, "minute": 56, "second": 1}
